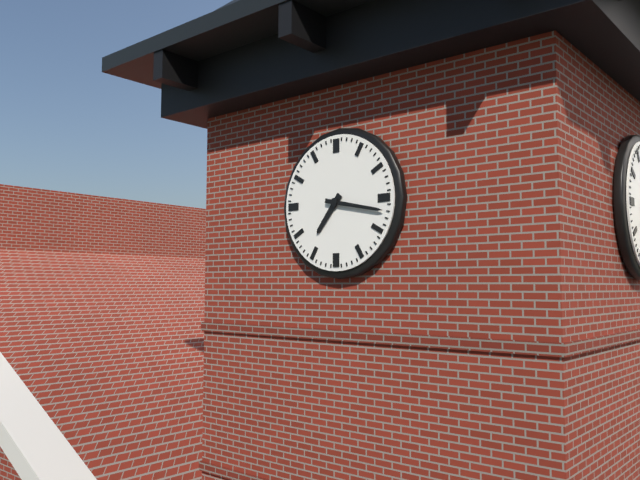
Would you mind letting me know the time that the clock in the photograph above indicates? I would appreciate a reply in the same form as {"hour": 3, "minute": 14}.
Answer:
{"hour": 7, "minute": 17}
